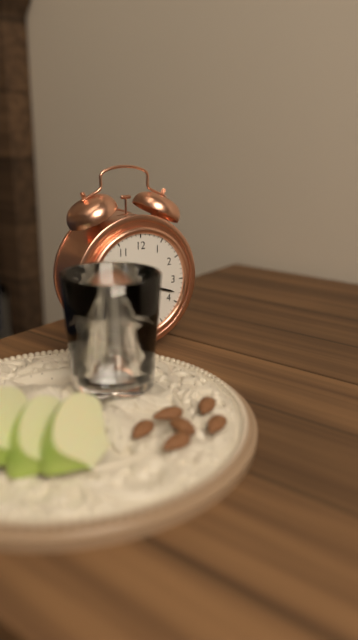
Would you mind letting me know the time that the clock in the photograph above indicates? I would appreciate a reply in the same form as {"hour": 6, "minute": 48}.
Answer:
{"hour": 6, "minute": 18}
